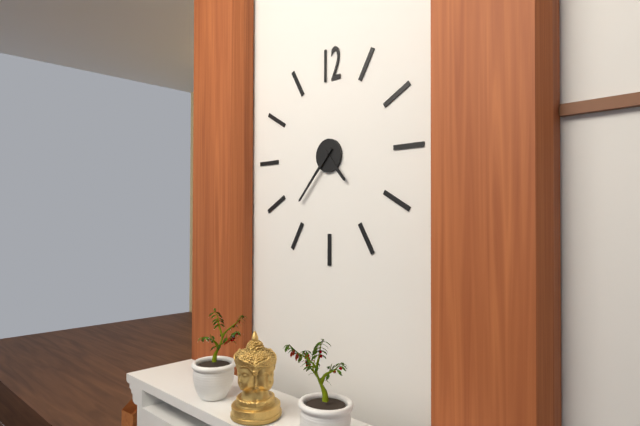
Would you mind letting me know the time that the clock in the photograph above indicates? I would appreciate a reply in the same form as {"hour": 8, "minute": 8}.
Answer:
{"hour": 4, "minute": 37}
